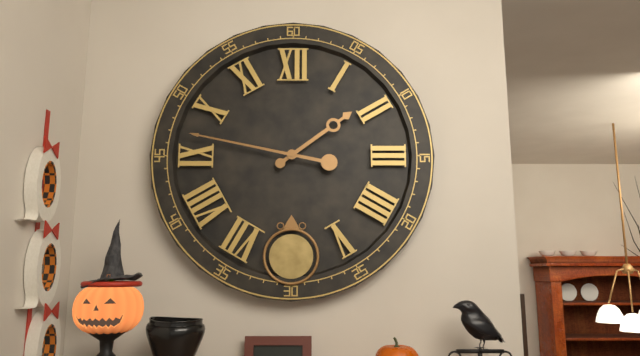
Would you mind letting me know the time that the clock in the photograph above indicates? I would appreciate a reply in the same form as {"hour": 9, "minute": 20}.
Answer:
{"hour": 1, "minute": 47}
